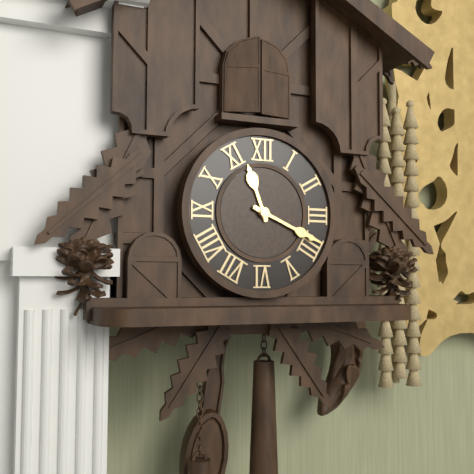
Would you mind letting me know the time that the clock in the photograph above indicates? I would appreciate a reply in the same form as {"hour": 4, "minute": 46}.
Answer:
{"hour": 11, "minute": 19}
